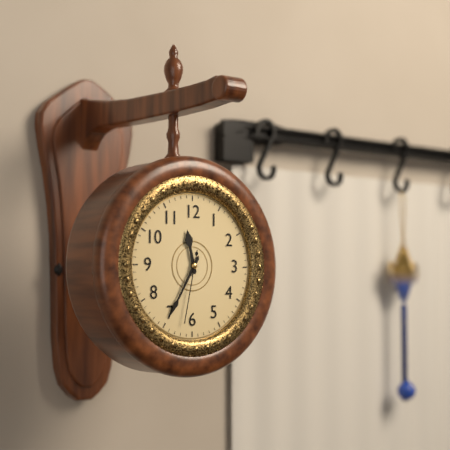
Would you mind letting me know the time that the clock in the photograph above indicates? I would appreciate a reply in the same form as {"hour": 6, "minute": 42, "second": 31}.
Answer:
{"hour": 11, "minute": 35, "second": 32}
